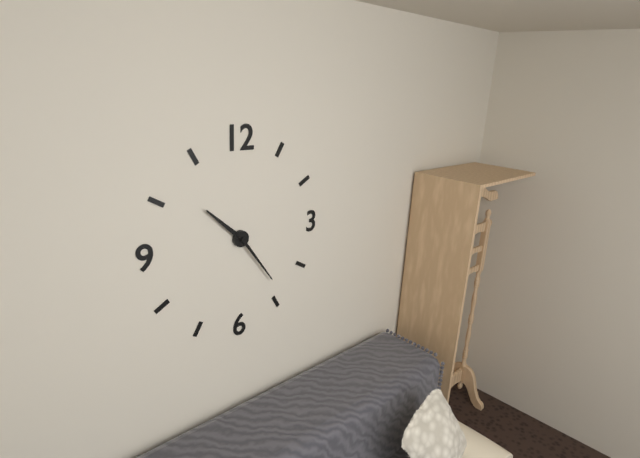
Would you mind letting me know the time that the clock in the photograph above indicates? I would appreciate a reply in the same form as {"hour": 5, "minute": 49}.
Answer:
{"hour": 10, "minute": 24}
